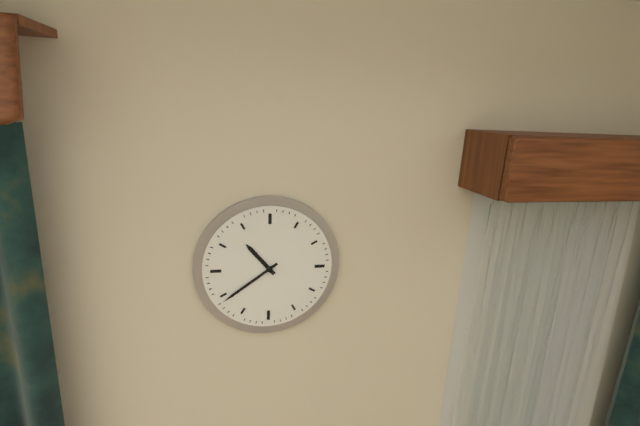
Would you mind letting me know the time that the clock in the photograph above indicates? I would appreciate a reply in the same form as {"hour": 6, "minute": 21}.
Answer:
{"hour": 10, "minute": 39}
